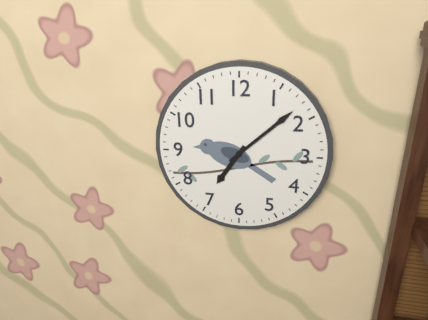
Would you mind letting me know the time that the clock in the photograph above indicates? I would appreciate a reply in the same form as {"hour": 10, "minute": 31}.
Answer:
{"hour": 7, "minute": 8}
